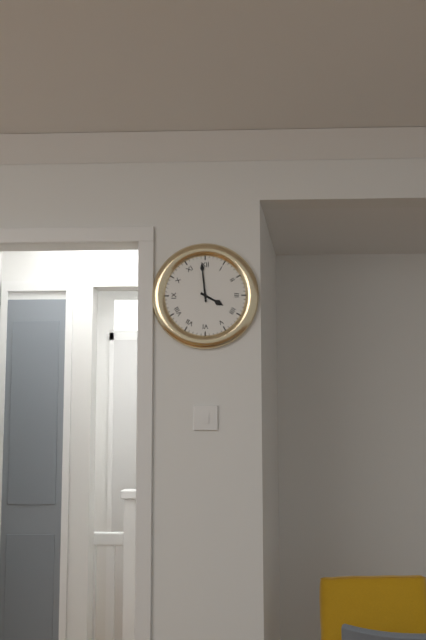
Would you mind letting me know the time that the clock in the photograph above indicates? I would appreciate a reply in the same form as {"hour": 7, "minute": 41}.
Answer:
{"hour": 3, "minute": 59}
